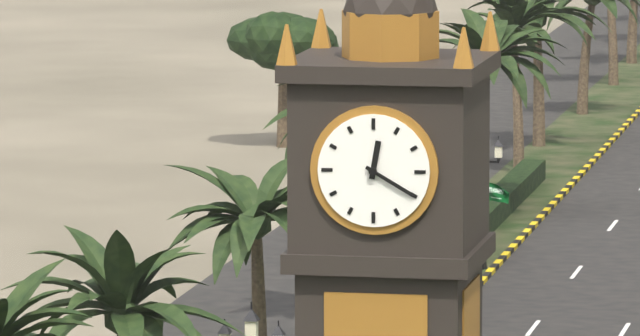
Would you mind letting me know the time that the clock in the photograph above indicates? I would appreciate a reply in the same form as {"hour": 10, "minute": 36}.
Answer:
{"hour": 12, "minute": 20}
